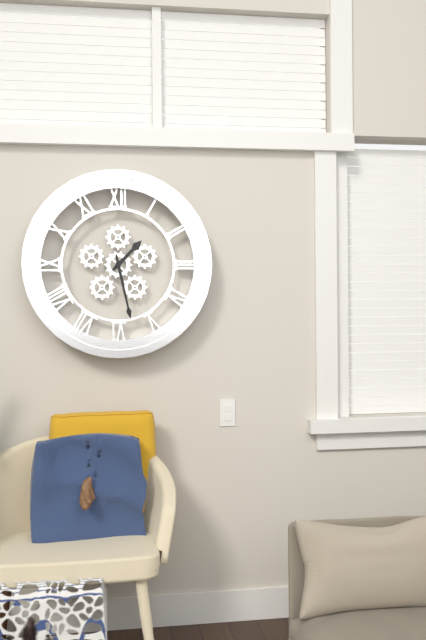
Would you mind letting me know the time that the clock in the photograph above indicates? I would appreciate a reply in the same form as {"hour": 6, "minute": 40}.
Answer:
{"hour": 1, "minute": 28}
